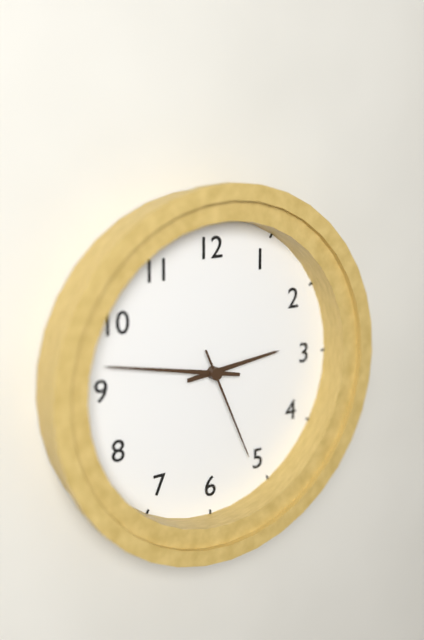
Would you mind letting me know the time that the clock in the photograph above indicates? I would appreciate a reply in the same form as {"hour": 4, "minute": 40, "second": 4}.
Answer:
{"hour": 2, "minute": 47, "second": 26}
